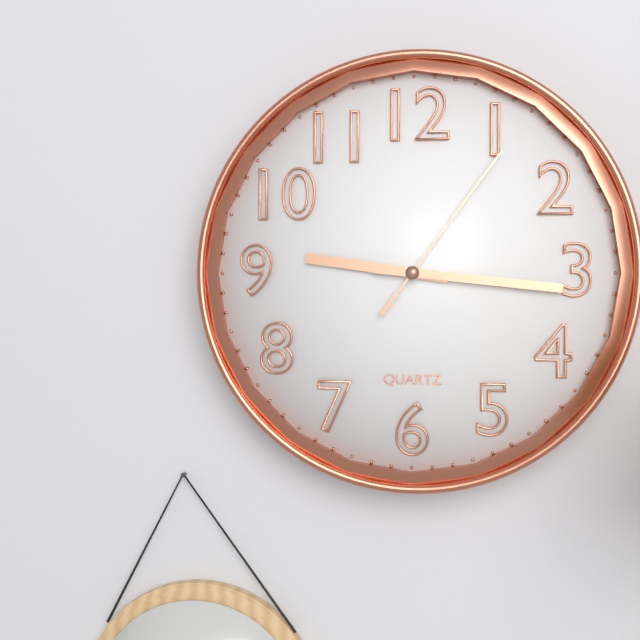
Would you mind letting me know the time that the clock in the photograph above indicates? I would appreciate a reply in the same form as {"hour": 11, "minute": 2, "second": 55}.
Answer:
{"hour": 9, "minute": 16, "second": 6}
